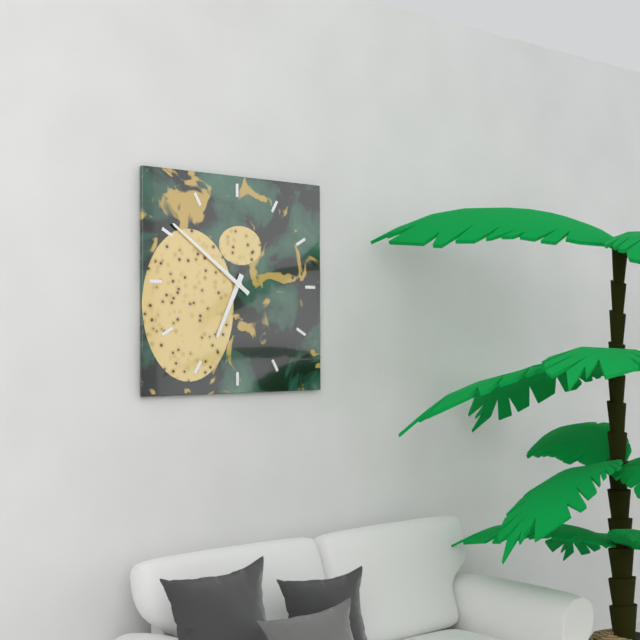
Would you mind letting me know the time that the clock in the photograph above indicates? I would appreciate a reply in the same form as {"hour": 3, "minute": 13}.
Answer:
{"hour": 6, "minute": 51}
